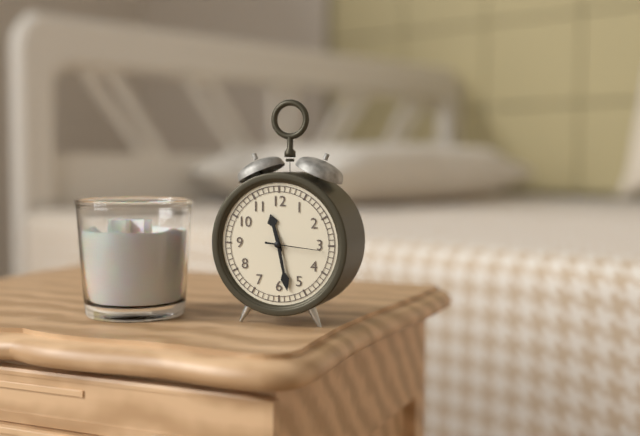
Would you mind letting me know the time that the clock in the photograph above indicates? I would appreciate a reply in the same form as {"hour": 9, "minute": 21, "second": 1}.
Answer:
{"hour": 11, "minute": 28, "second": 16}
